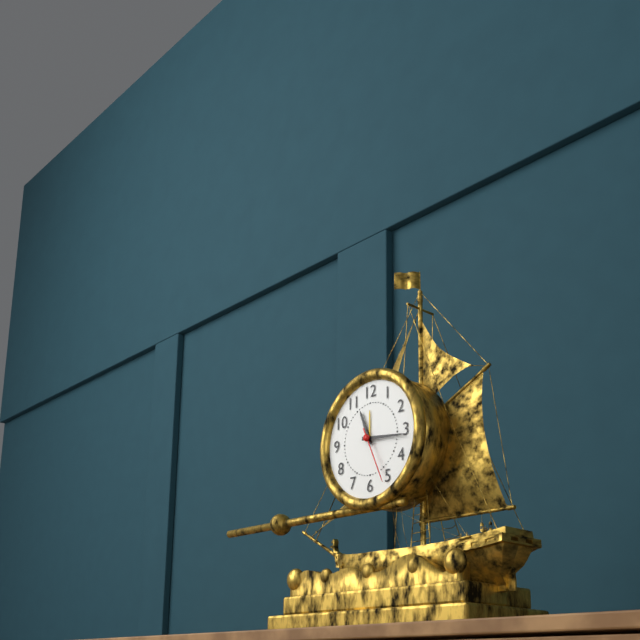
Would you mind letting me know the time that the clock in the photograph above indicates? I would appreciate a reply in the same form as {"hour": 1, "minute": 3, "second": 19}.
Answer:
{"hour": 11, "minute": 16, "second": 26}
